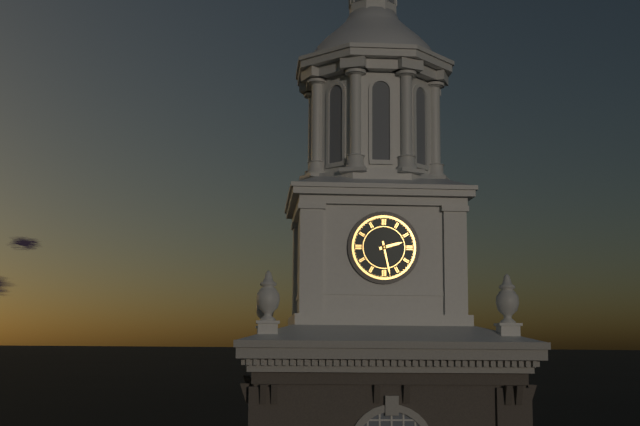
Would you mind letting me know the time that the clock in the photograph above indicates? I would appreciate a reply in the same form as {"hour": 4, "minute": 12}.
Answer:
{"hour": 2, "minute": 28}
